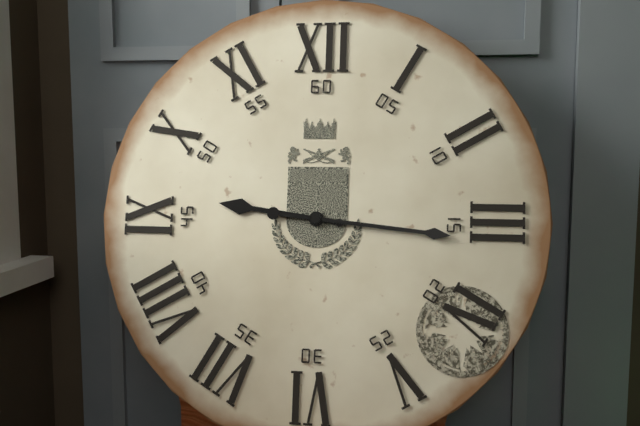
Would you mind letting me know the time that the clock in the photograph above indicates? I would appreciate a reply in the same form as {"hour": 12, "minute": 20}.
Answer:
{"hour": 9, "minute": 16}
